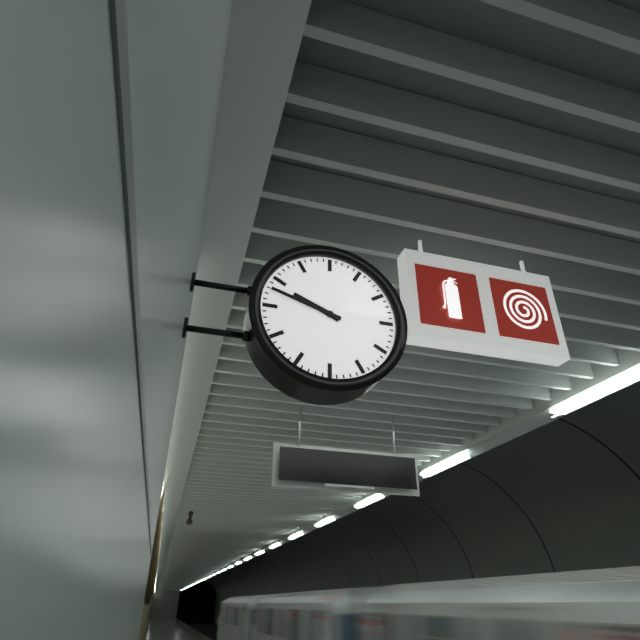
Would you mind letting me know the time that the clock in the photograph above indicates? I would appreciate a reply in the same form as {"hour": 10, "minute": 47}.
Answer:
{"hour": 9, "minute": 48}
